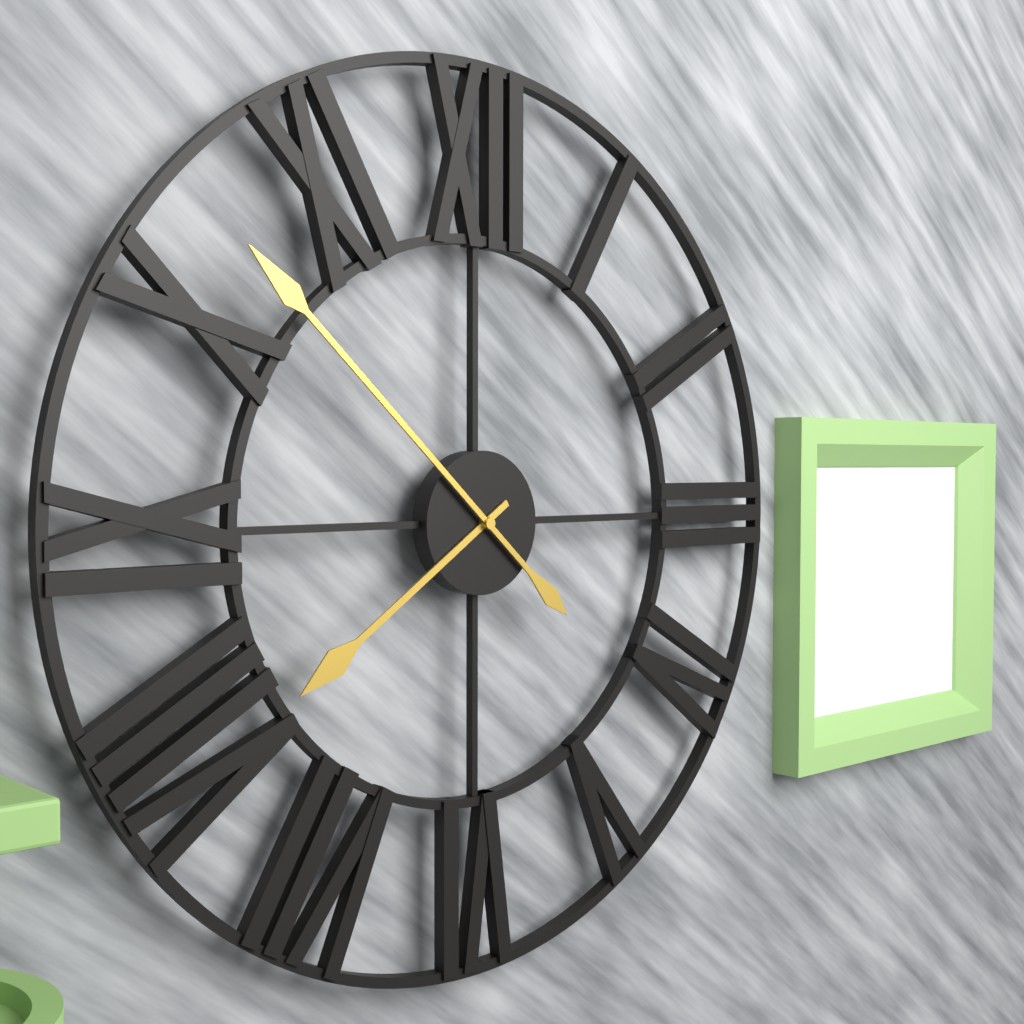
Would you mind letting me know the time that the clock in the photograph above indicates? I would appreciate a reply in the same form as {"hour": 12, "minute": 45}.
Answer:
{"hour": 7, "minute": 52}
